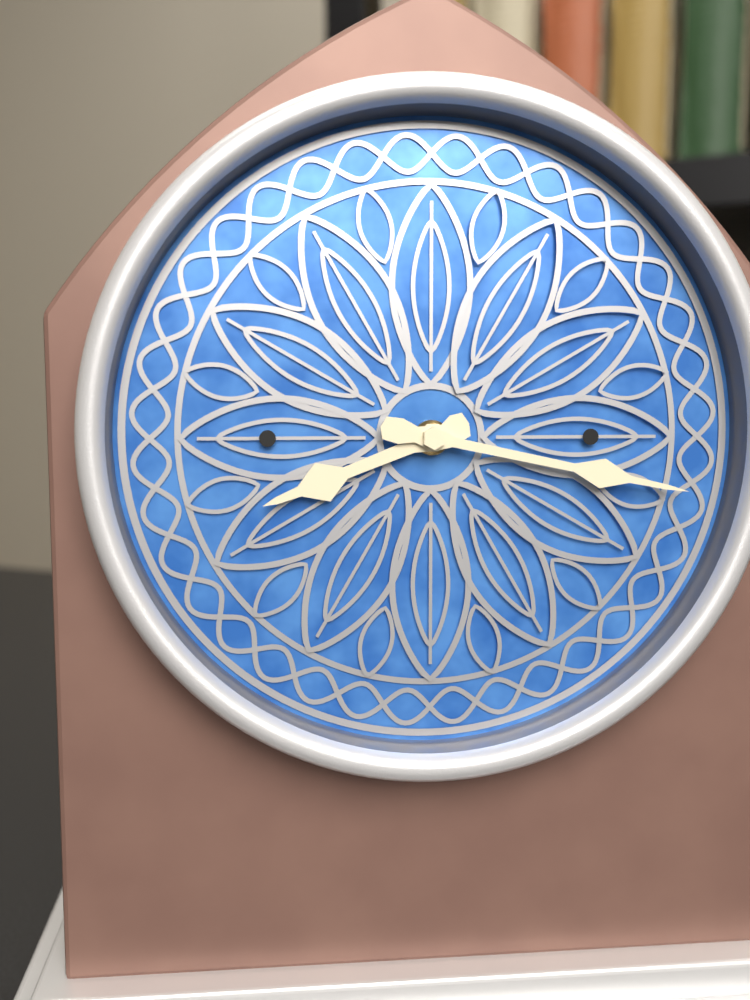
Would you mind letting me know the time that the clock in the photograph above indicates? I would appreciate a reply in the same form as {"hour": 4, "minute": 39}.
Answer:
{"hour": 8, "minute": 17}
